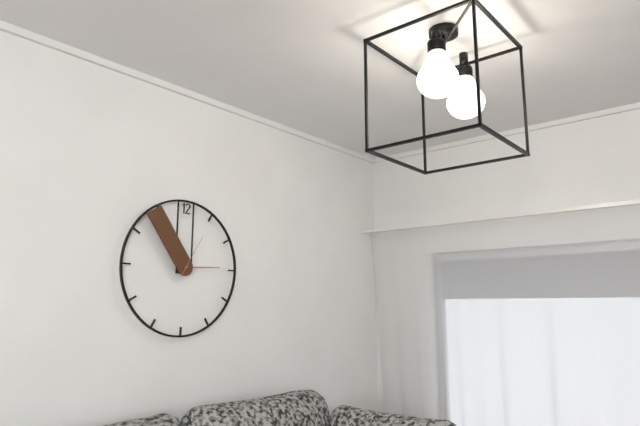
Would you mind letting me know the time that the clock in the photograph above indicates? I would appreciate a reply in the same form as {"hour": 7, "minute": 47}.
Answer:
{"hour": 2, "minute": 54}
